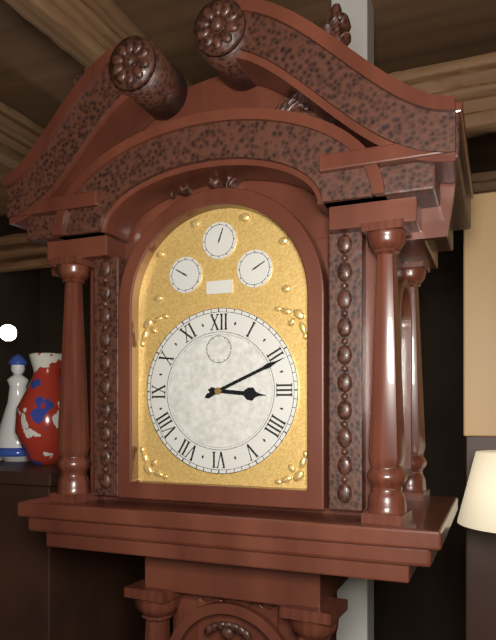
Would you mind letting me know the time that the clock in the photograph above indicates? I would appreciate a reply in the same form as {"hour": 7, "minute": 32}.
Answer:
{"hour": 3, "minute": 11}
